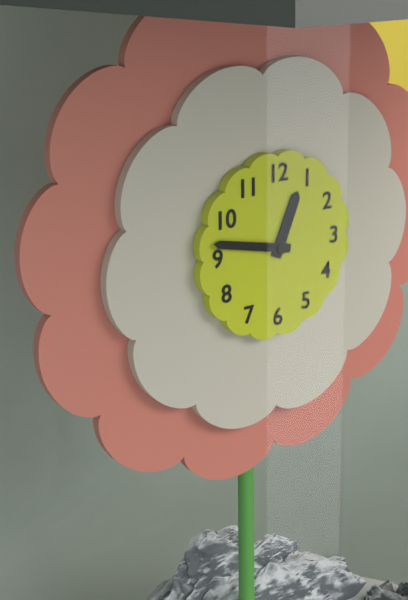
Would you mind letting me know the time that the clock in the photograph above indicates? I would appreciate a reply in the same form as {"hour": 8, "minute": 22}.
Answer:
{"hour": 12, "minute": 47}
